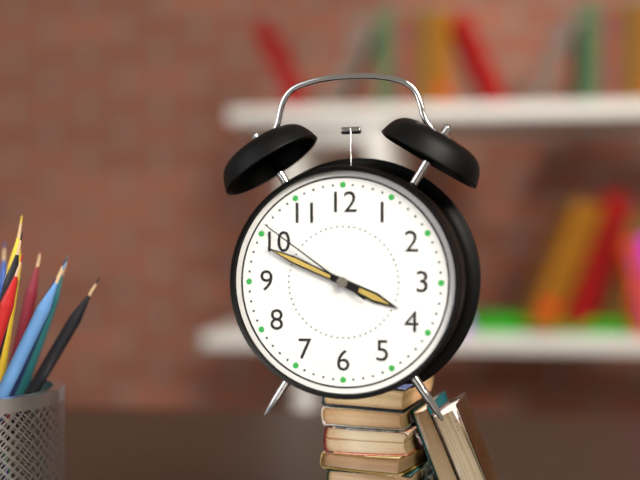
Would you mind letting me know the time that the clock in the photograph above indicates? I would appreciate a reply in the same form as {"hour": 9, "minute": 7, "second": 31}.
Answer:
{"hour": 3, "minute": 49, "second": 51}
